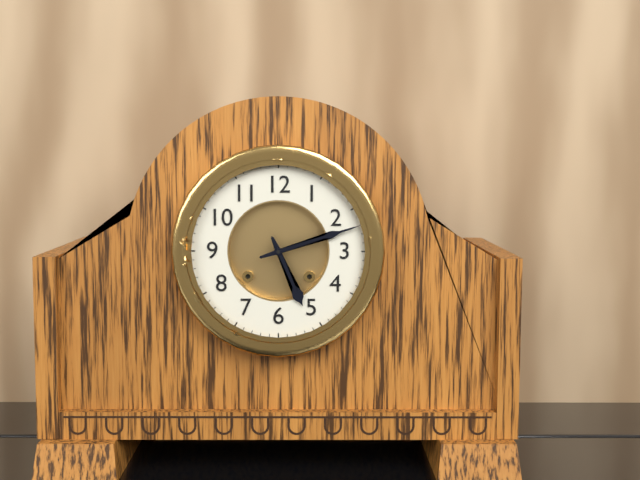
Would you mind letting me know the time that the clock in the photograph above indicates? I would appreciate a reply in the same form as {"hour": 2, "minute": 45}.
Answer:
{"hour": 5, "minute": 12}
